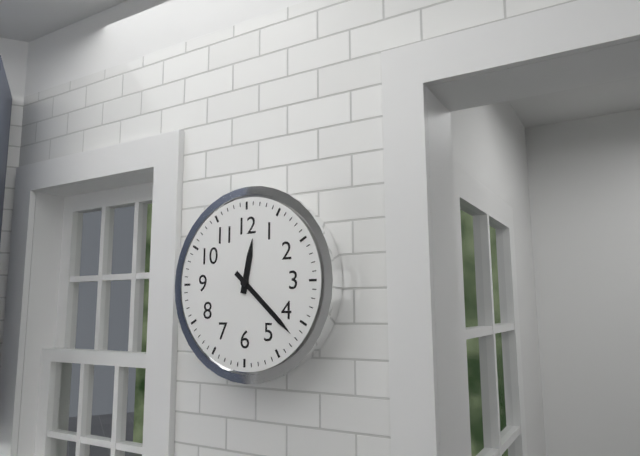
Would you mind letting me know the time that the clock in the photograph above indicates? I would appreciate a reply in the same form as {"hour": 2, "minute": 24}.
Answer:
{"hour": 12, "minute": 22}
